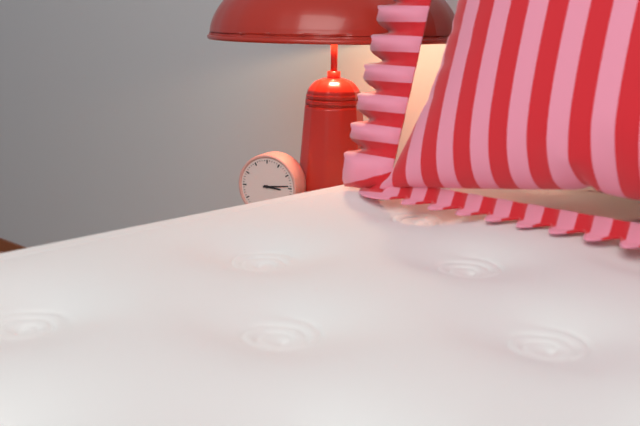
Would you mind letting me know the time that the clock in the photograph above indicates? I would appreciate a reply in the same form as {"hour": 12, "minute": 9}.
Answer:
{"hour": 3, "minute": 14}
